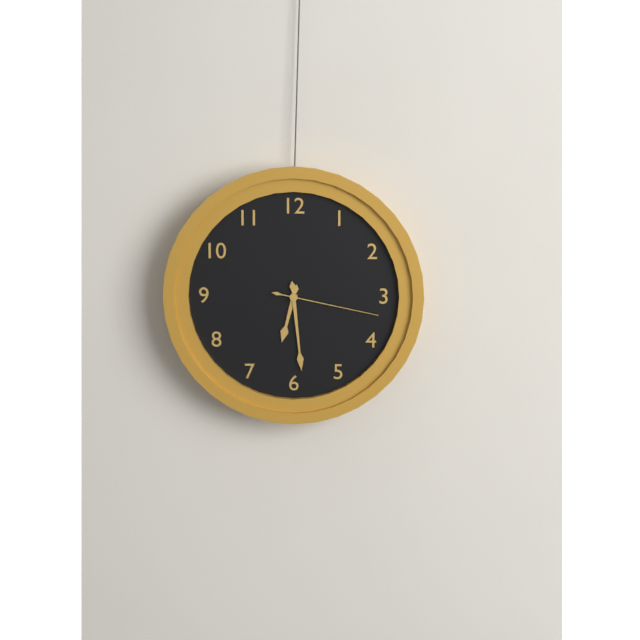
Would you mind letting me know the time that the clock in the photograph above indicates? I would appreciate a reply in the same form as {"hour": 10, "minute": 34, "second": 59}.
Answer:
{"hour": 6, "minute": 29, "second": 17}
